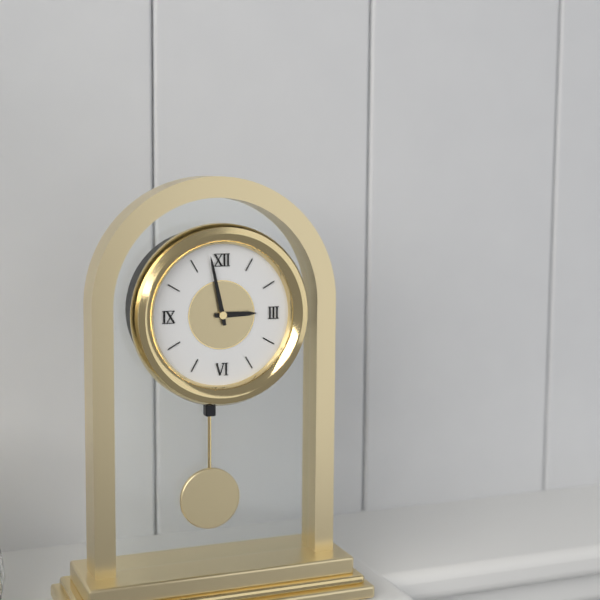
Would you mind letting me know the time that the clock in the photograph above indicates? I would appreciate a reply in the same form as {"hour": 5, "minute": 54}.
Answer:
{"hour": 2, "minute": 58}
